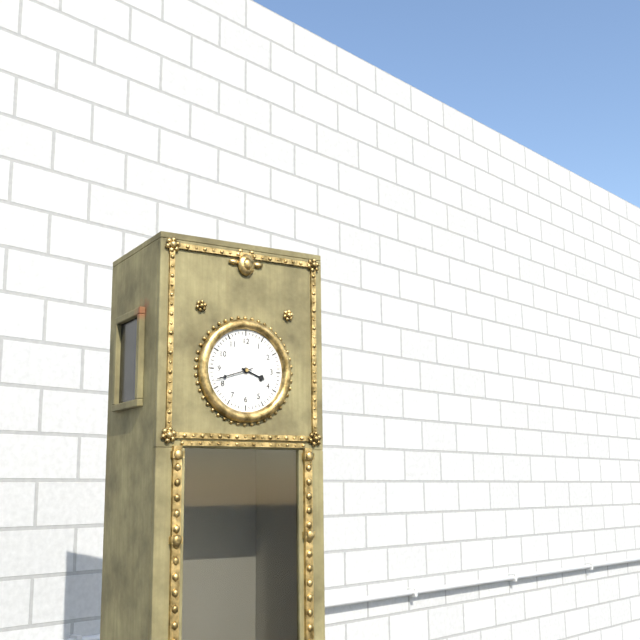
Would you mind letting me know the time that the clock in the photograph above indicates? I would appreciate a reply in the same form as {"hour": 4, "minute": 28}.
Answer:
{"hour": 3, "minute": 42}
